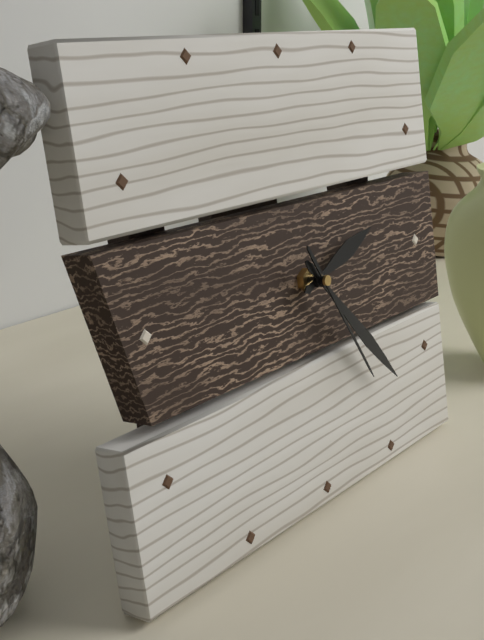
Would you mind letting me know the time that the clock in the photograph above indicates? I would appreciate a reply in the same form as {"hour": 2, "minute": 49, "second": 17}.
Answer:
{"hour": 2, "minute": 23, "second": 25}
